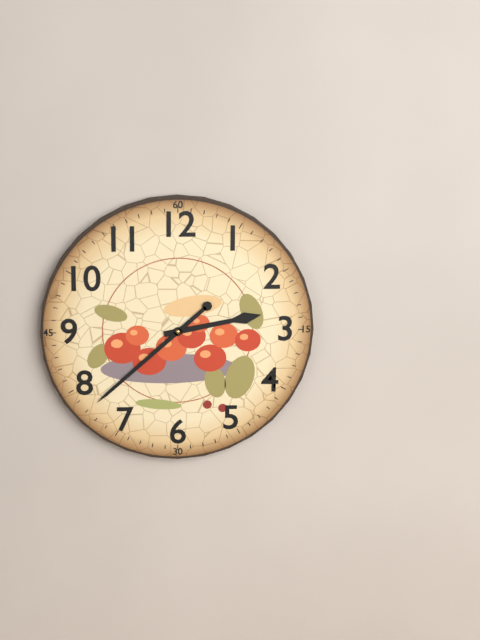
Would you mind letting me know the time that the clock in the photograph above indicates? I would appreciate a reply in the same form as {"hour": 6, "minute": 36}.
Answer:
{"hour": 2, "minute": 38}
